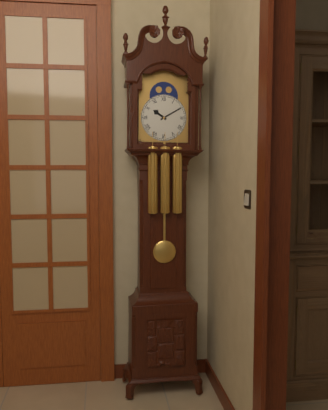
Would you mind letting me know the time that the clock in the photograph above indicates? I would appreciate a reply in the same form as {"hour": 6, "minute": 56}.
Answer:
{"hour": 10, "minute": 10}
